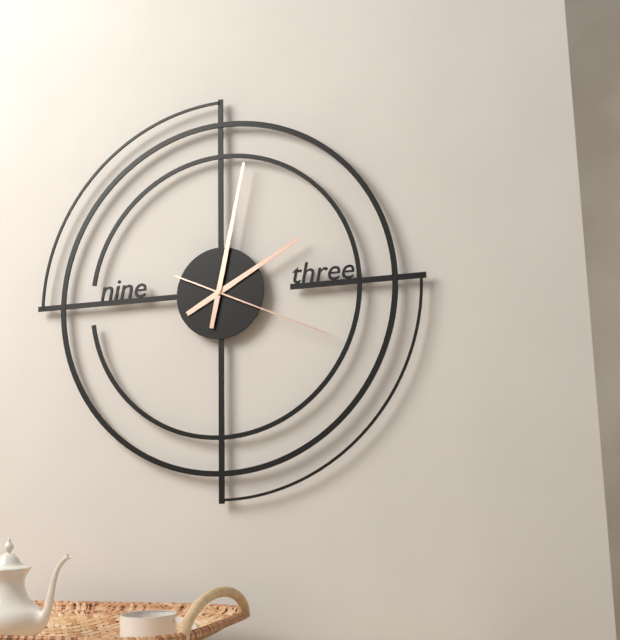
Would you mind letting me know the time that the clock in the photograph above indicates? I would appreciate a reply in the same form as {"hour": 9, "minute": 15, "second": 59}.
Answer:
{"hour": 2, "minute": 2, "second": 19}
